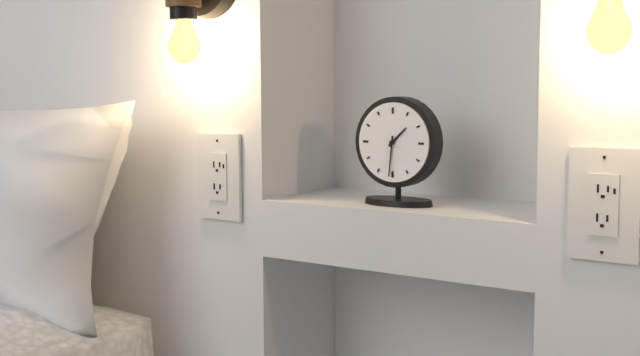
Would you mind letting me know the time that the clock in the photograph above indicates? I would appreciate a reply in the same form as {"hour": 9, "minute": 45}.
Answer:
{"hour": 1, "minute": 31}
